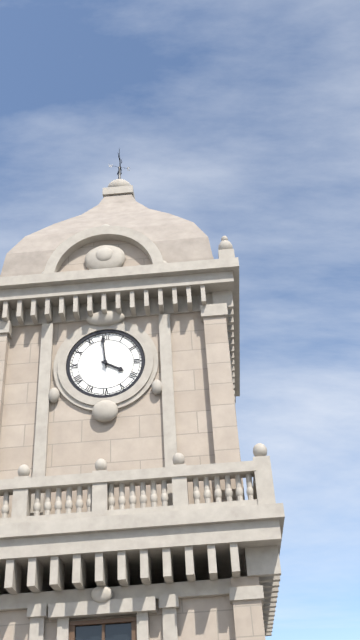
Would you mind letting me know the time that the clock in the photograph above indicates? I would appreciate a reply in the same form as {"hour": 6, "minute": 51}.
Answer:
{"hour": 3, "minute": 59}
